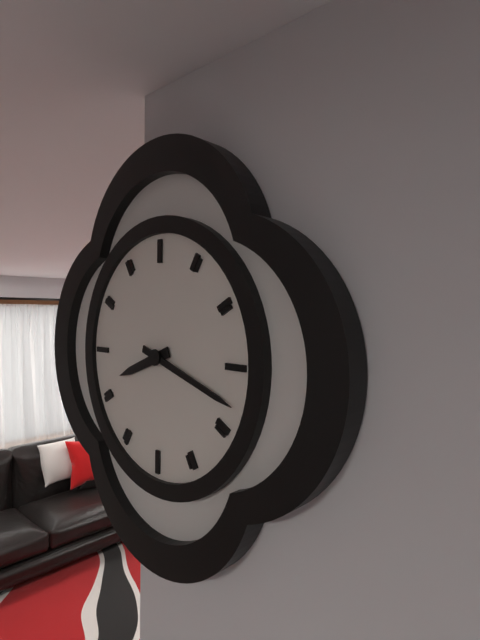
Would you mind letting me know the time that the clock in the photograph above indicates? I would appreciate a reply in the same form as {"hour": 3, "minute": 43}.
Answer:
{"hour": 8, "minute": 18}
